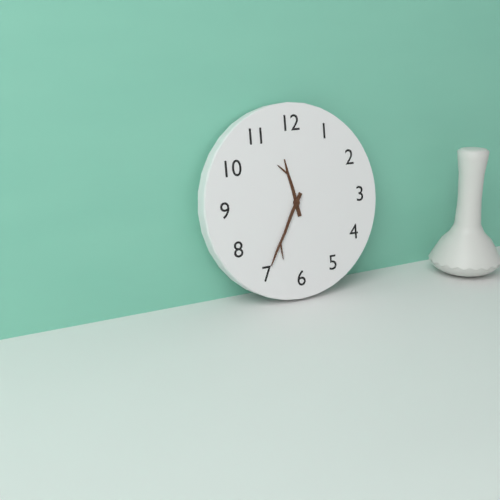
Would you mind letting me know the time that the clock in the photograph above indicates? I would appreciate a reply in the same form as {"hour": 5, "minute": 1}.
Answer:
{"hour": 11, "minute": 35}
